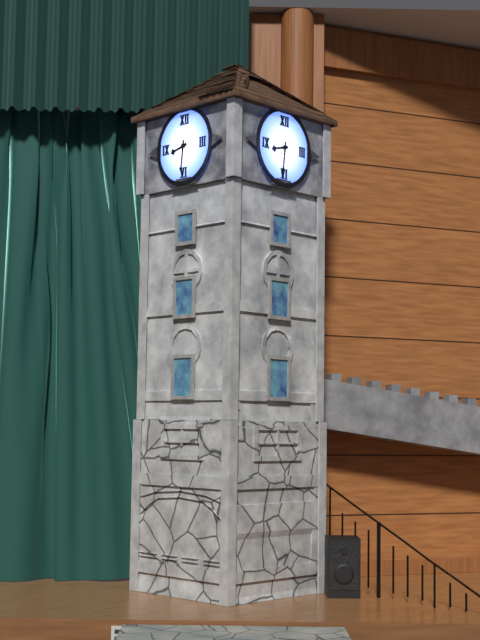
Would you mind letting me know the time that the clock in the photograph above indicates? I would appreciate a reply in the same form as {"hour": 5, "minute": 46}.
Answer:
{"hour": 8, "minute": 31}
